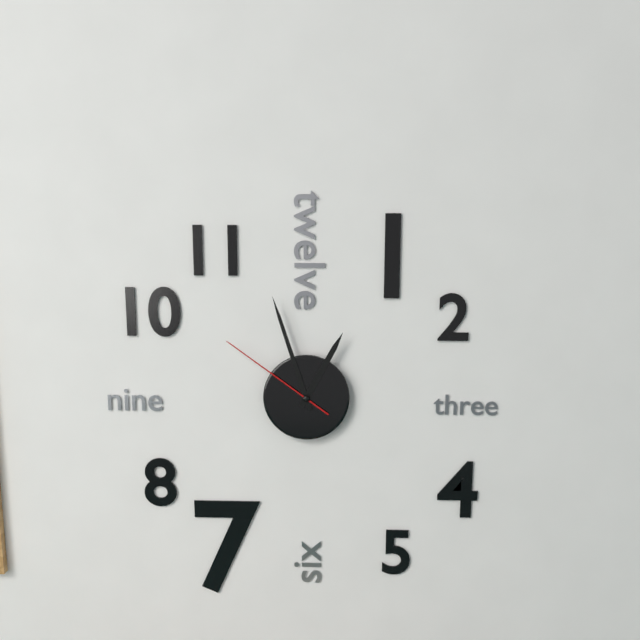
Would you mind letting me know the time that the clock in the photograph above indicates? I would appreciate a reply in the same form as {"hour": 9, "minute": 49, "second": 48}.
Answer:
{"hour": 12, "minute": 57, "second": 51}
